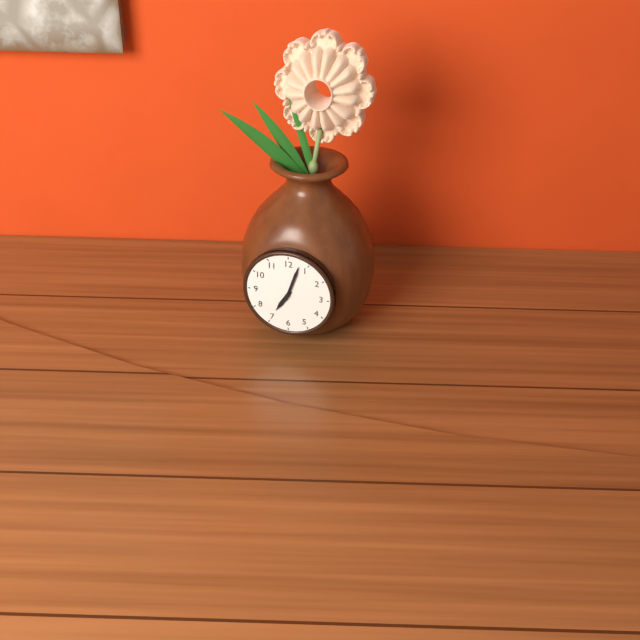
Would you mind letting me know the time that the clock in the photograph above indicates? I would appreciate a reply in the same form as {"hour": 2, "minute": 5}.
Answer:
{"hour": 7, "minute": 3}
